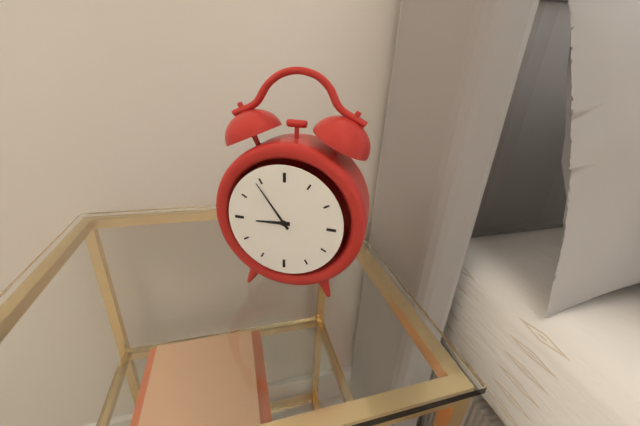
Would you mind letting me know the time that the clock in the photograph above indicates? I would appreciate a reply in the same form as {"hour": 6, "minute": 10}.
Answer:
{"hour": 8, "minute": 54}
